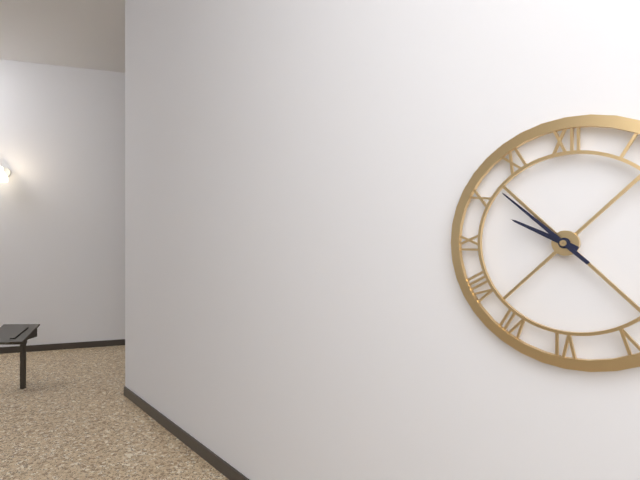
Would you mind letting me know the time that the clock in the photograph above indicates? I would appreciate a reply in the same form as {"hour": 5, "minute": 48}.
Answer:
{"hour": 9, "minute": 52}
